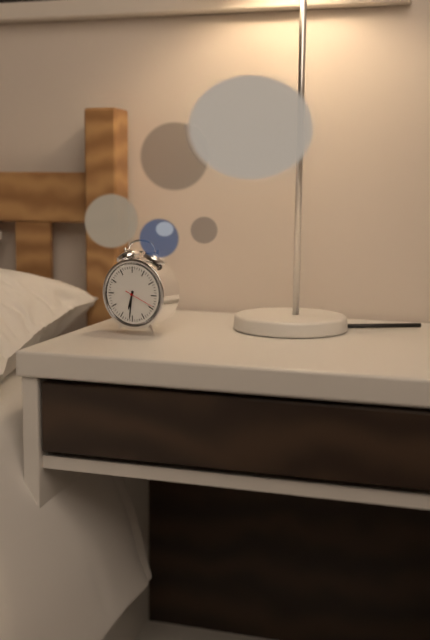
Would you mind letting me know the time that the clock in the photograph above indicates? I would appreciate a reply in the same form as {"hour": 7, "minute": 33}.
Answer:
{"hour": 6, "minute": 31}
